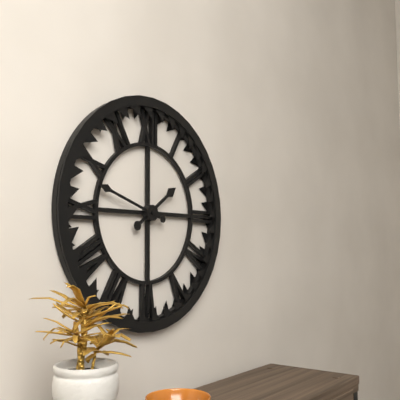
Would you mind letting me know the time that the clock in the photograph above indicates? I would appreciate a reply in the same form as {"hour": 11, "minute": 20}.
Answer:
{"hour": 1, "minute": 48}
